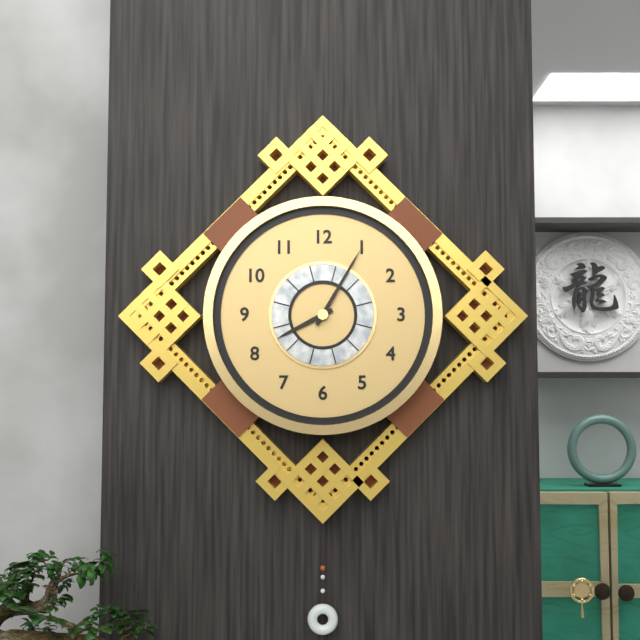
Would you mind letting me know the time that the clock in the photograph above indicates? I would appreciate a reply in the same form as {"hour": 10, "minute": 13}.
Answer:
{"hour": 8, "minute": 5}
